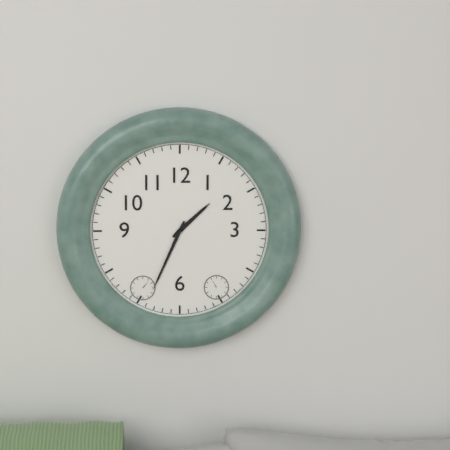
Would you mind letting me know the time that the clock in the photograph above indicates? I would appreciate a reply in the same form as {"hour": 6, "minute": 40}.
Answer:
{"hour": 1, "minute": 34}
